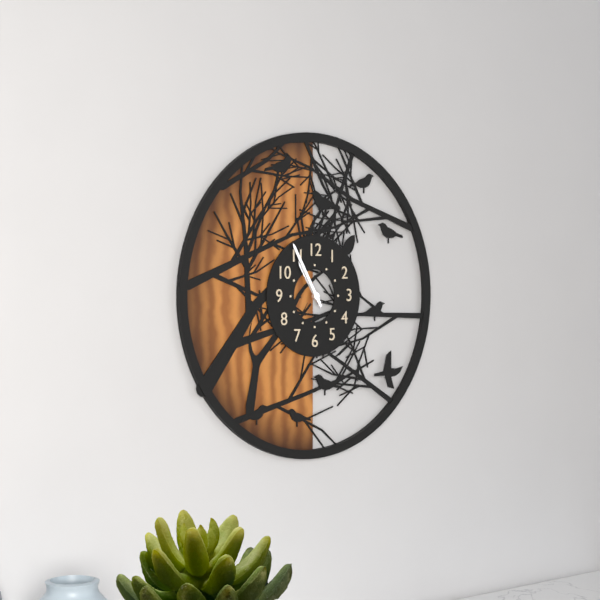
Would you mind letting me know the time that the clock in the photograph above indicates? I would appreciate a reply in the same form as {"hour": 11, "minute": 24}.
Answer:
{"hour": 10, "minute": 55}
